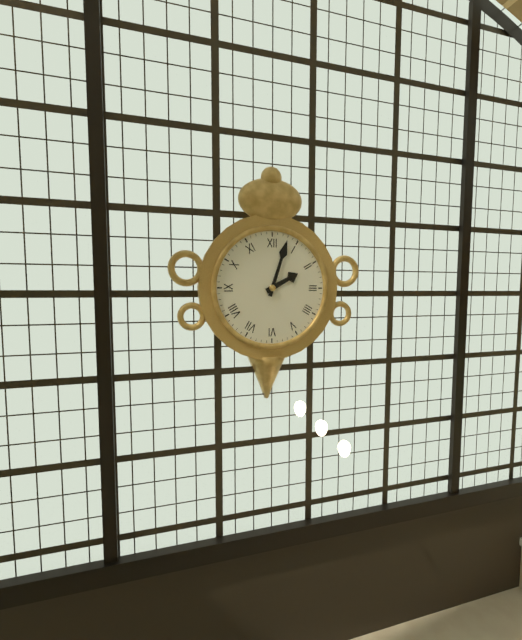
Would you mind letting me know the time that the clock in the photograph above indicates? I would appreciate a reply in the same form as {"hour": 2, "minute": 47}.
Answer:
{"hour": 2, "minute": 3}
